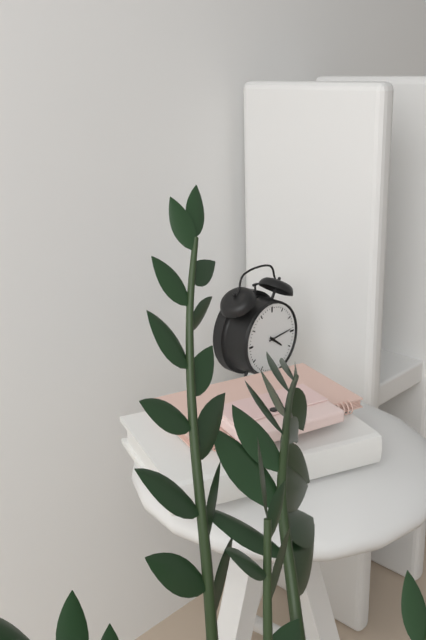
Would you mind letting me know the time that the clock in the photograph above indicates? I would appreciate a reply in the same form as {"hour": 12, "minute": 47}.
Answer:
{"hour": 4, "minute": 14}
